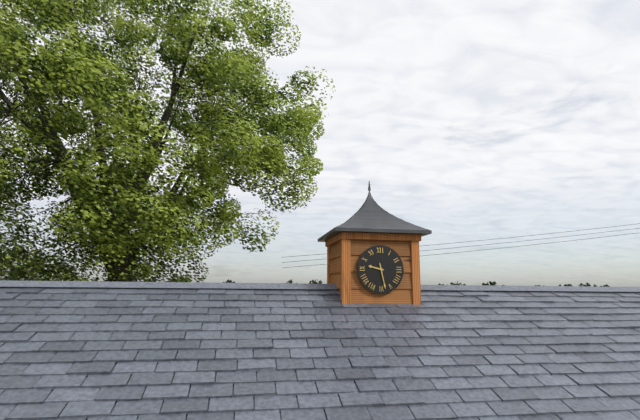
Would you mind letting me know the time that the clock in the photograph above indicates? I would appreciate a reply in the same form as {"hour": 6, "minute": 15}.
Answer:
{"hour": 9, "minute": 28}
